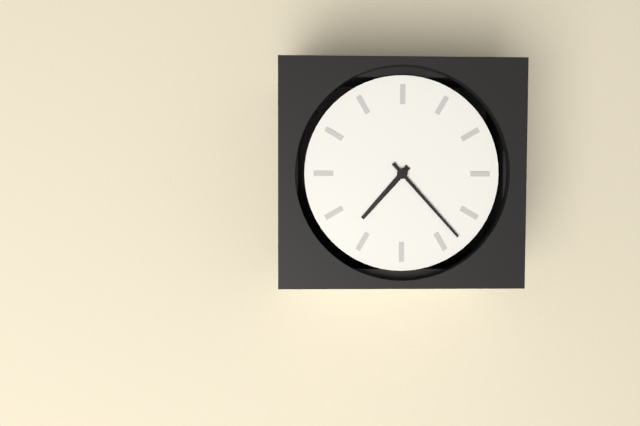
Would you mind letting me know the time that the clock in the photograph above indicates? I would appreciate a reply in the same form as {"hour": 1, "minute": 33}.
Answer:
{"hour": 7, "minute": 23}
